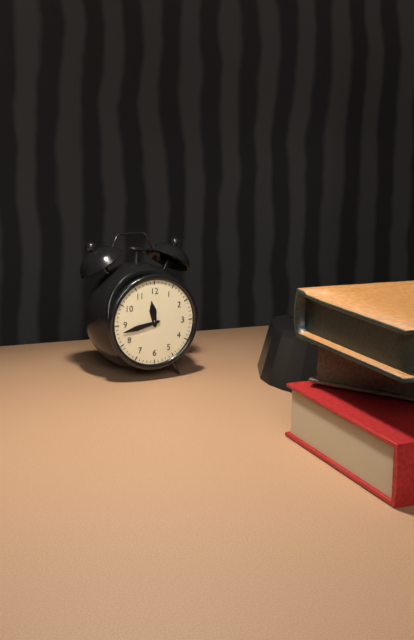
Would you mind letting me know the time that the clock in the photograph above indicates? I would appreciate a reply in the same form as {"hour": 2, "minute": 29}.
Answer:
{"hour": 11, "minute": 43}
